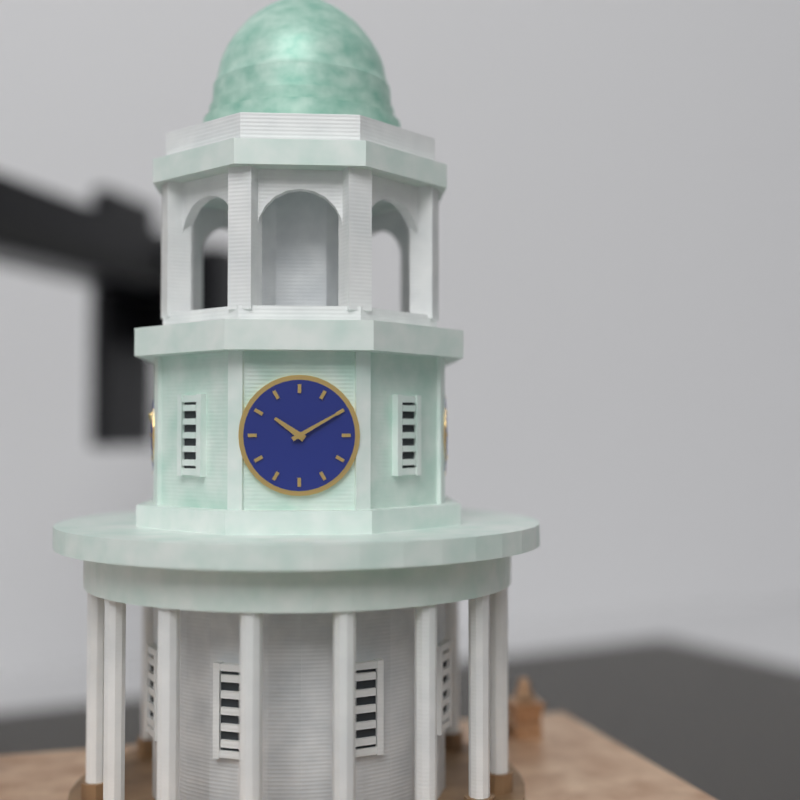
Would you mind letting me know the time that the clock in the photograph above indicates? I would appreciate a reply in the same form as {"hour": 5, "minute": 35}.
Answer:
{"hour": 10, "minute": 10}
